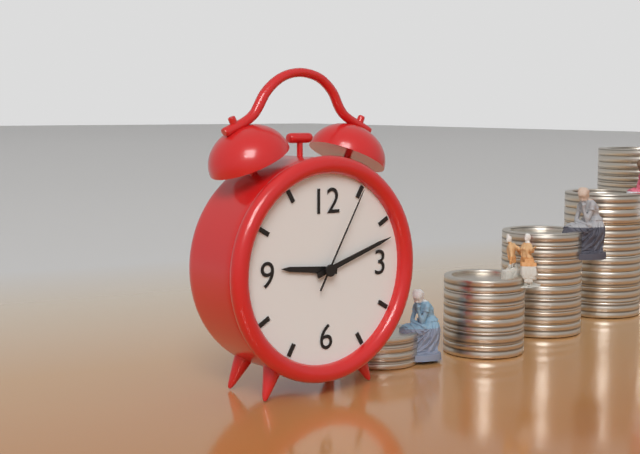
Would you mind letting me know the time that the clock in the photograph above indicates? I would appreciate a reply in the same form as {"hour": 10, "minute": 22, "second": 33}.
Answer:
{"hour": 9, "minute": 12, "second": 5}
